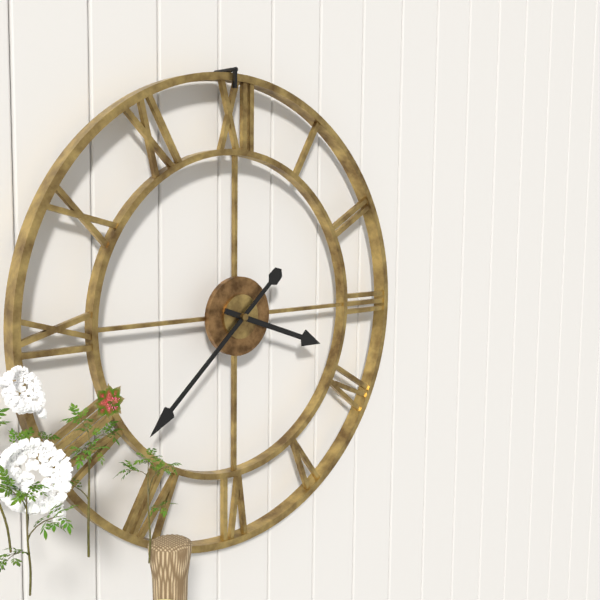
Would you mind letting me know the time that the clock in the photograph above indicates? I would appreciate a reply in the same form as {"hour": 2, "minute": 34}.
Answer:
{"hour": 3, "minute": 38}
